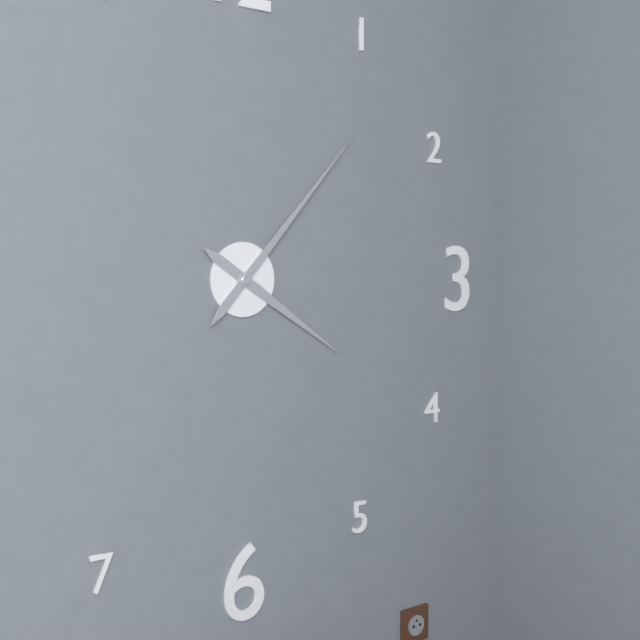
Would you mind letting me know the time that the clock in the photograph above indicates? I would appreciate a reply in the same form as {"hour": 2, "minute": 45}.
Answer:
{"hour": 4, "minute": 7}
